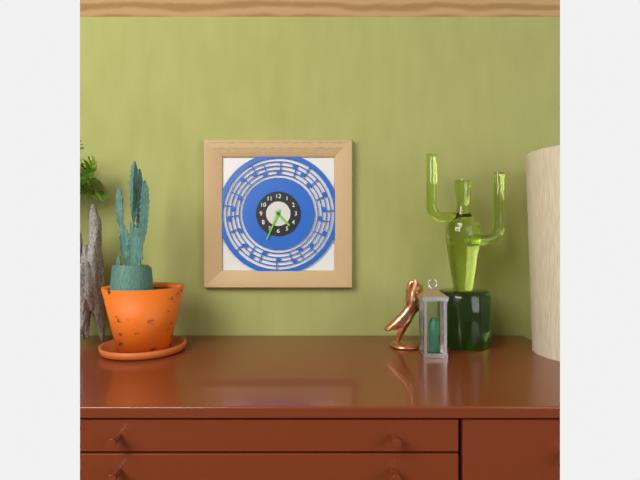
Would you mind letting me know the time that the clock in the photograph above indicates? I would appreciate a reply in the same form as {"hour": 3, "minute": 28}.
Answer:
{"hour": 4, "minute": 34}
